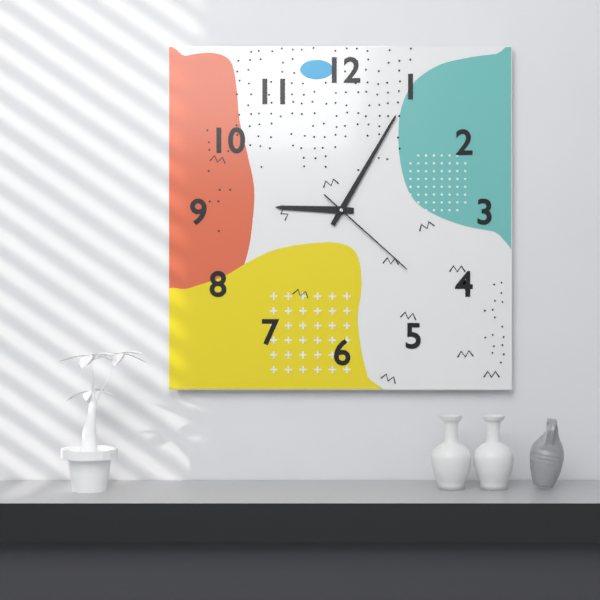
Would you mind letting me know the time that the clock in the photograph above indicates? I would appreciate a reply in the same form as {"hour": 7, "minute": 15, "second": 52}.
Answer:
{"hour": 9, "minute": 5, "second": 22}
